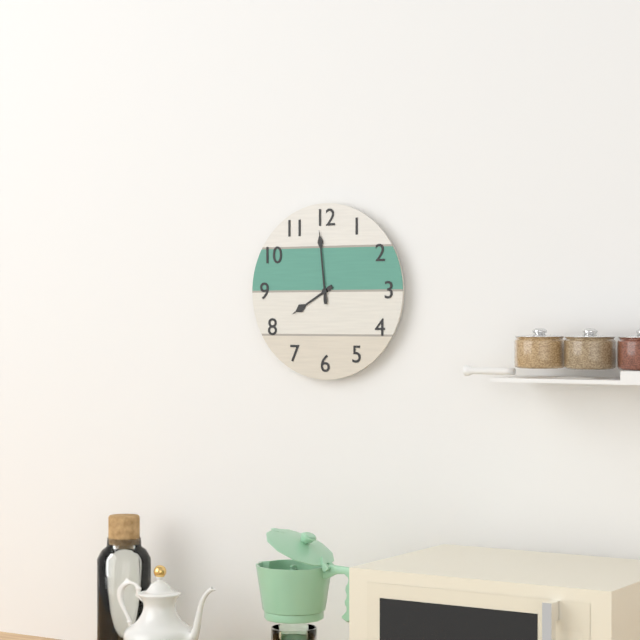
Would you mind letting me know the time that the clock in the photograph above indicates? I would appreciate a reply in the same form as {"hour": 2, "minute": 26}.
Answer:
{"hour": 7, "minute": 59}
